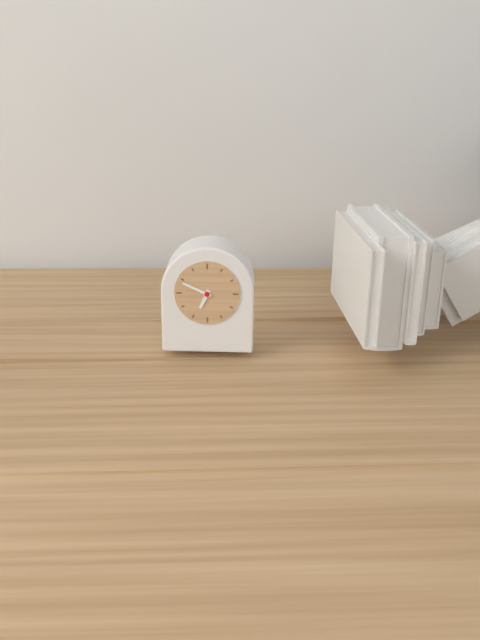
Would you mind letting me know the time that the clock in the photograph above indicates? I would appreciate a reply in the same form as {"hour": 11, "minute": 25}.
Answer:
{"hour": 6, "minute": 49}
